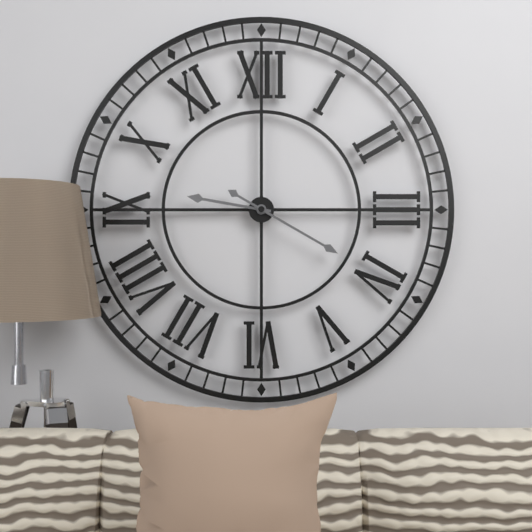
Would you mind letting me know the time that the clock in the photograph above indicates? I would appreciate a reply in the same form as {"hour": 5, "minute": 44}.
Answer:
{"hour": 9, "minute": 20}
